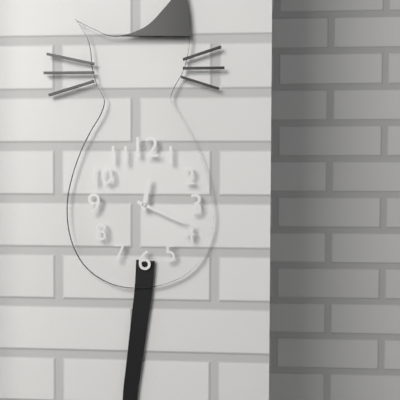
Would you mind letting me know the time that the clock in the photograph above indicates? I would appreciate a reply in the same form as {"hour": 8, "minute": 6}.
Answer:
{"hour": 12, "minute": 19}
